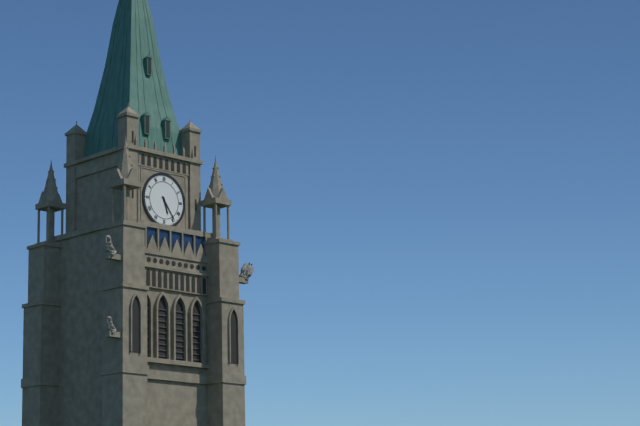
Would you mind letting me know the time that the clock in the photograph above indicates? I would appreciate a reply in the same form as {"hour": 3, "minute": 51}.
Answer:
{"hour": 5, "minute": 24}
